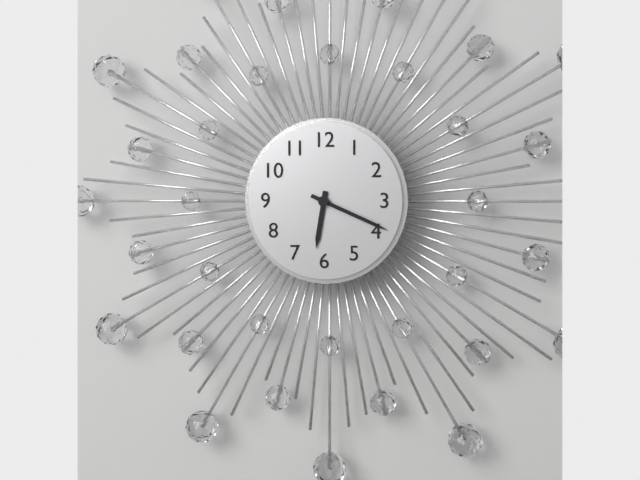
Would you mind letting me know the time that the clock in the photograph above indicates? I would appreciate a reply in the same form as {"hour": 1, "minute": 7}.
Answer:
{"hour": 6, "minute": 19}
